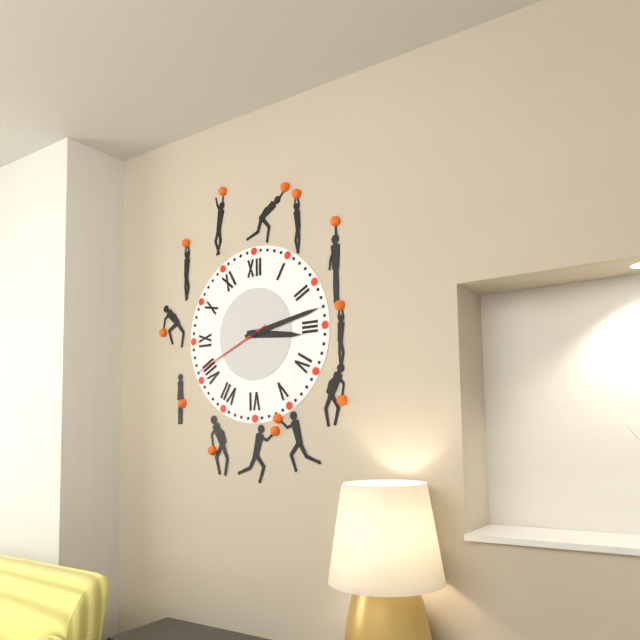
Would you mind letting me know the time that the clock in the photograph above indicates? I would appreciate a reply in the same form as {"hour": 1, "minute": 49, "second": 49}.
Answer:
{"hour": 3, "minute": 13, "second": 41}
